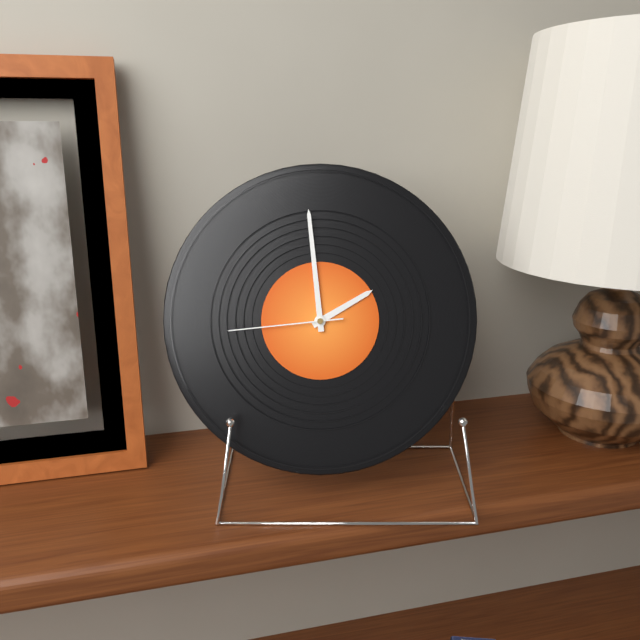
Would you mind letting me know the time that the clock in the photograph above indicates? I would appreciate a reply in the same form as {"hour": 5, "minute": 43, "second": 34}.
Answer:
{"hour": 1, "minute": 59, "second": 44}
